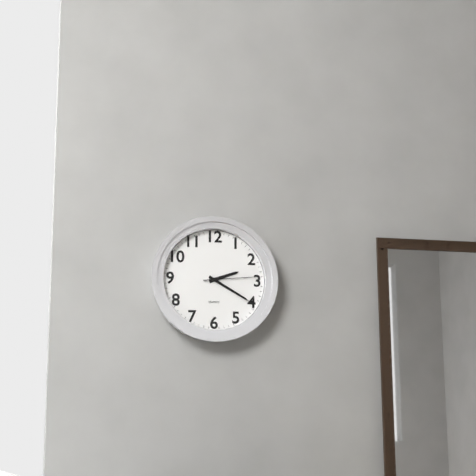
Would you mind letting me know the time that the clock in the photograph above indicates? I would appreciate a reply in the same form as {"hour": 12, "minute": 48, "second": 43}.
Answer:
{"hour": 2, "minute": 20, "second": 14}
